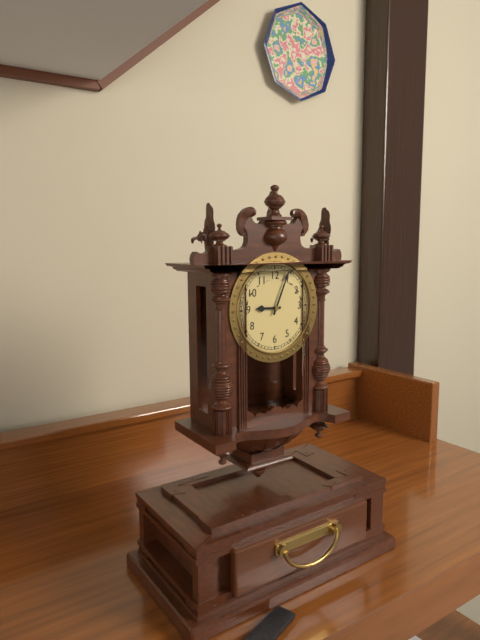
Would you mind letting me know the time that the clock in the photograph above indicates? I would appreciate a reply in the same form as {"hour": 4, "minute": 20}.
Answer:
{"hour": 9, "minute": 4}
